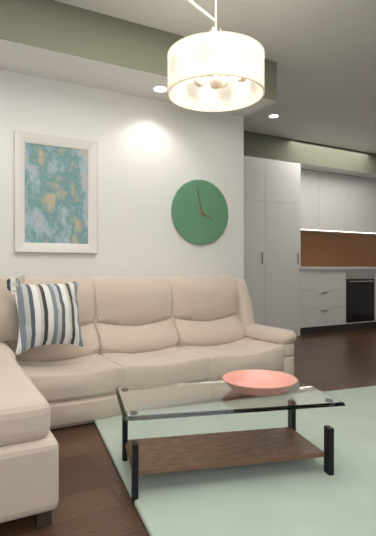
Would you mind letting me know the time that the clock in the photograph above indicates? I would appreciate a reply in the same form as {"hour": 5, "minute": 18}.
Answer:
{"hour": 3, "minute": 58}
